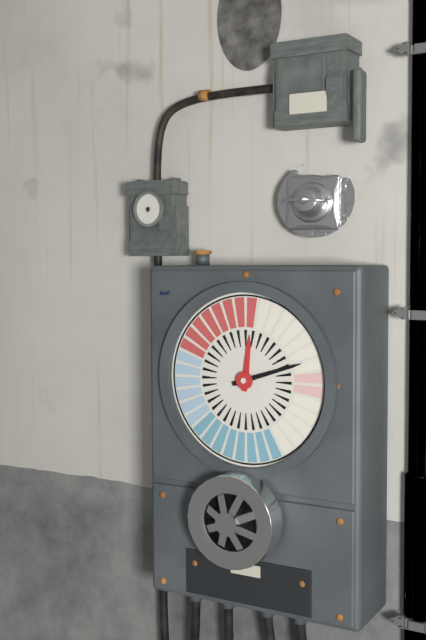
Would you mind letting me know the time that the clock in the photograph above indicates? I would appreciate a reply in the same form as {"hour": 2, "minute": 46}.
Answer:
{"hour": 12, "minute": 12}
